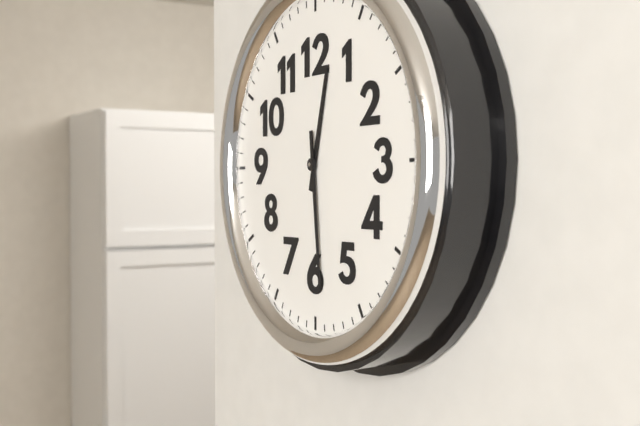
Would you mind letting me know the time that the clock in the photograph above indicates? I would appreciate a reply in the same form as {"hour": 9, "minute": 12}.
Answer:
{"hour": 12, "minute": 29}
